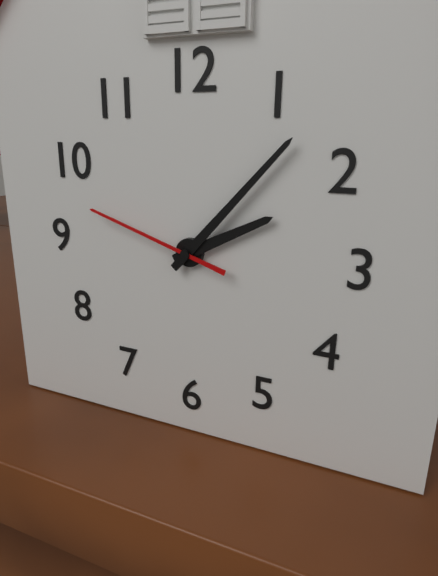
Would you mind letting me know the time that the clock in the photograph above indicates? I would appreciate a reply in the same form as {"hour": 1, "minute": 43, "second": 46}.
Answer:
{"hour": 2, "minute": 7, "second": 48}
